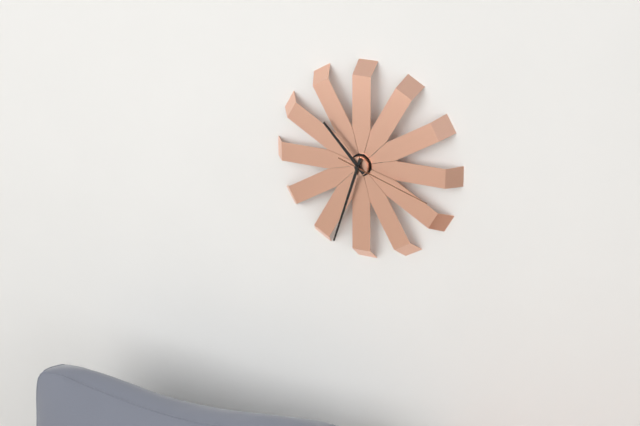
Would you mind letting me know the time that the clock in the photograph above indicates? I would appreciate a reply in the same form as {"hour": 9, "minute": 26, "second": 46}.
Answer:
{"hour": 10, "minute": 33, "second": 18}
